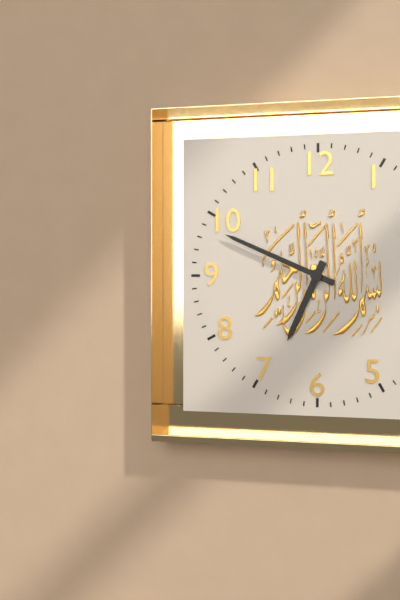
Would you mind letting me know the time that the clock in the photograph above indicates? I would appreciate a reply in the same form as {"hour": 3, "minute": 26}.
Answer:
{"hour": 6, "minute": 49}
